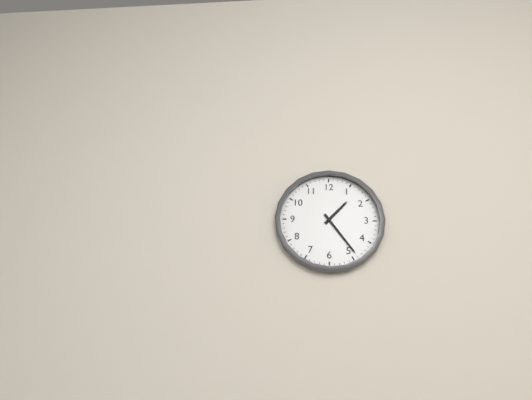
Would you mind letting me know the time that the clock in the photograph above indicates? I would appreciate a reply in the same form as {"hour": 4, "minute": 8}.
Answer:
{"hour": 1, "minute": 24}
